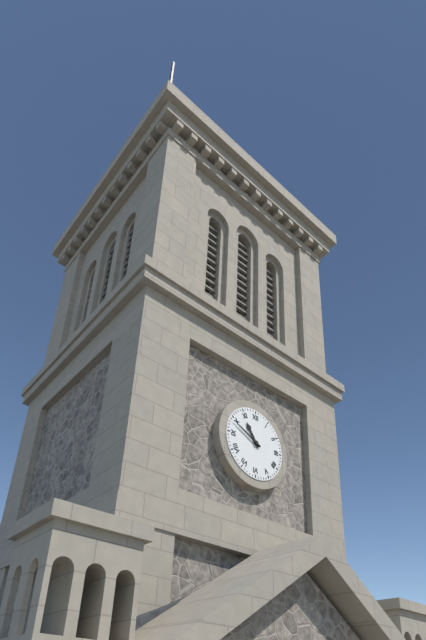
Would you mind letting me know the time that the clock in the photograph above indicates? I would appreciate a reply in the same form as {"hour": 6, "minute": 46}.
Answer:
{"hour": 10, "minute": 49}
